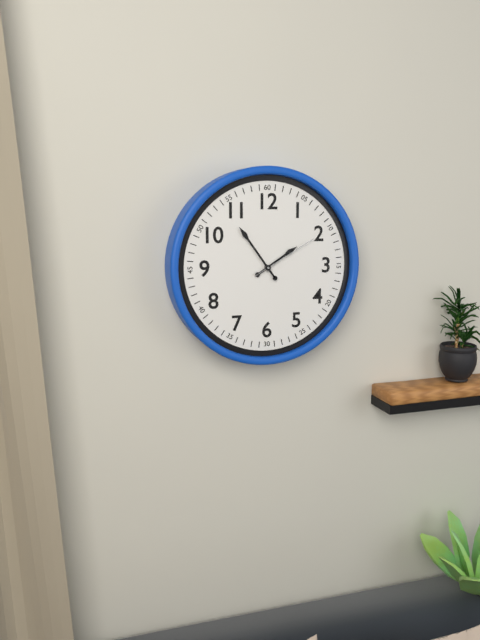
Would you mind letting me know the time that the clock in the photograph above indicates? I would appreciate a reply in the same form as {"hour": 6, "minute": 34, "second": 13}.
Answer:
{"hour": 1, "minute": 54, "second": 10}
